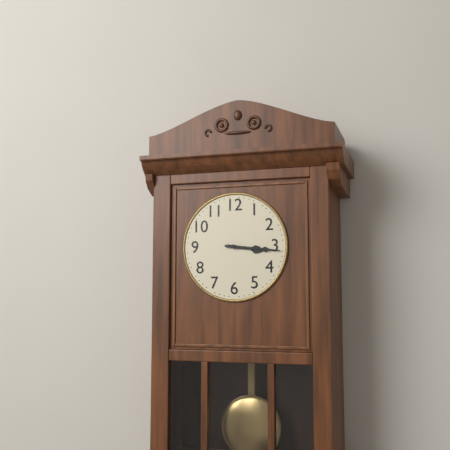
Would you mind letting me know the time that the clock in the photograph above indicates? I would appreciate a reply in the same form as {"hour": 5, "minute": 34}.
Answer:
{"hour": 3, "minute": 16}
